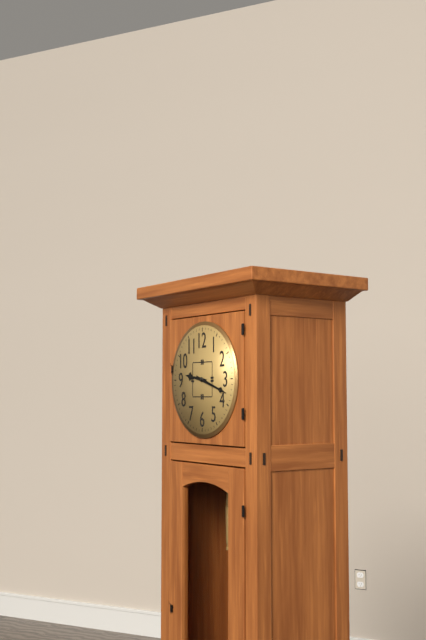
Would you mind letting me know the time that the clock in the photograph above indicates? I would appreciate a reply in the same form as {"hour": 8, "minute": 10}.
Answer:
{"hour": 9, "minute": 18}
